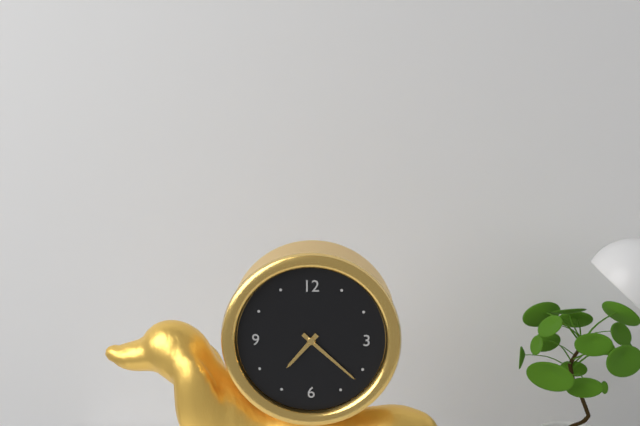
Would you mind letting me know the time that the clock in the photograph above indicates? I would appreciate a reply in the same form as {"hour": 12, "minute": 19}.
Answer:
{"hour": 7, "minute": 22}
